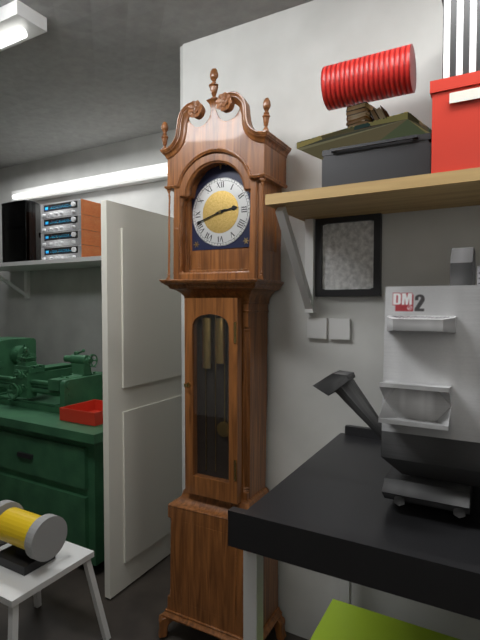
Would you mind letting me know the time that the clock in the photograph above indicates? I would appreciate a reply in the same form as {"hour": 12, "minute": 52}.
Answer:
{"hour": 2, "minute": 42}
